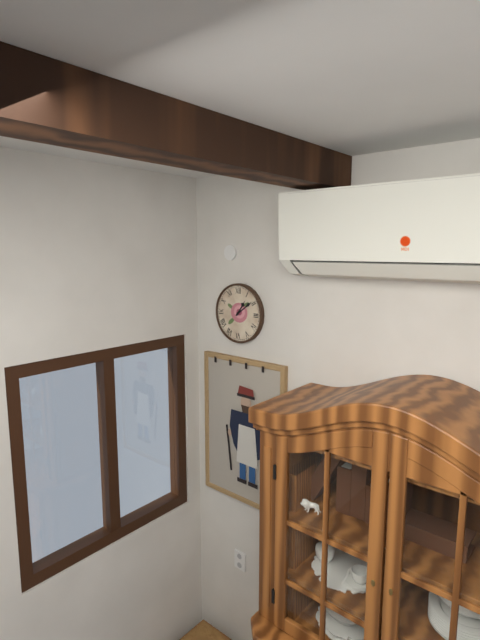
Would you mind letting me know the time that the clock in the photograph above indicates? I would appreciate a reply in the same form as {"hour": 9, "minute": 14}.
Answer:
{"hour": 1, "minute": 9}
